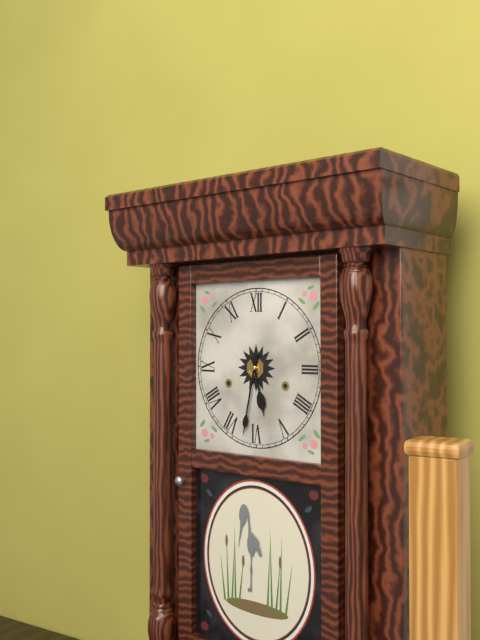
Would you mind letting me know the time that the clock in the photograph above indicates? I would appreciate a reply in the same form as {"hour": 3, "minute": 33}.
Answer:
{"hour": 5, "minute": 32}
